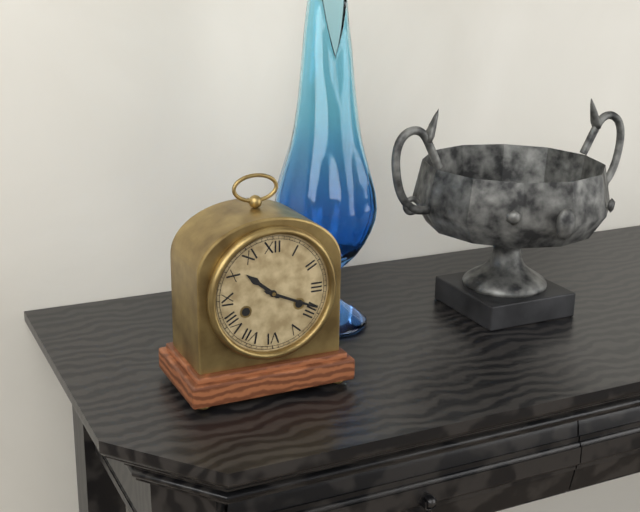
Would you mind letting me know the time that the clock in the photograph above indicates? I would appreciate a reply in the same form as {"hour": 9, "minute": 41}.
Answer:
{"hour": 10, "minute": 19}
